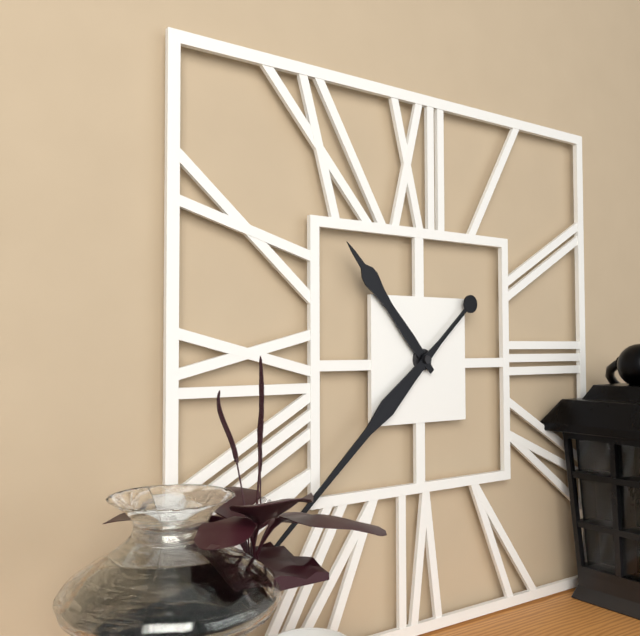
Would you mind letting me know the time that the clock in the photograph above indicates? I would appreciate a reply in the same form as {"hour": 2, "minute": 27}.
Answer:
{"hour": 10, "minute": 38}
